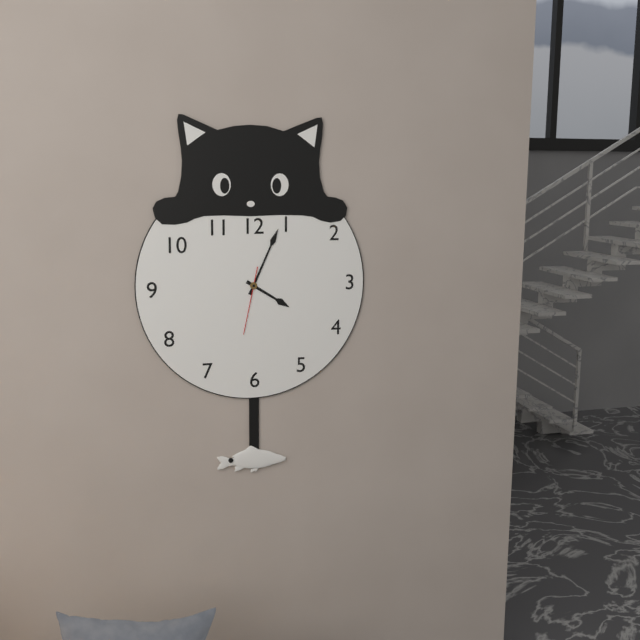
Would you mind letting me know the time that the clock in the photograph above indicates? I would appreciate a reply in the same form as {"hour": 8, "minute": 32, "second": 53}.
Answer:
{"hour": 4, "minute": 4, "second": 32}
